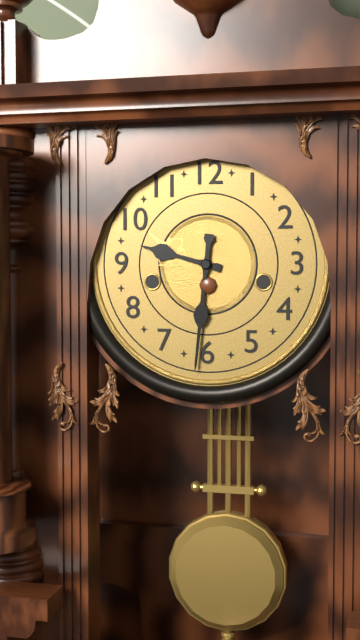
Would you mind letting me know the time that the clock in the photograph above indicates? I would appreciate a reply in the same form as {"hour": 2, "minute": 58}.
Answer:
{"hour": 9, "minute": 31}
